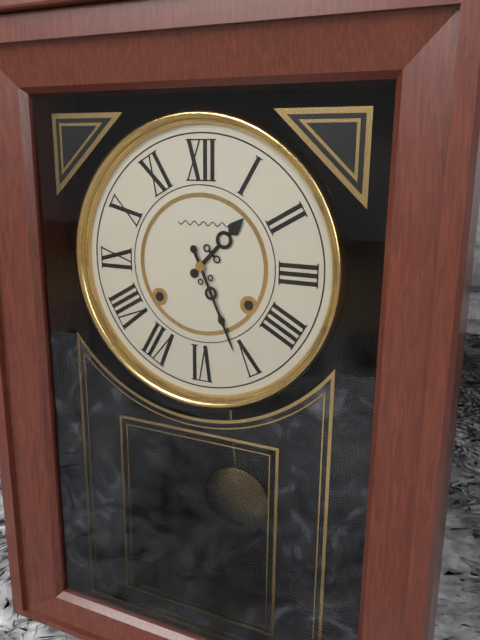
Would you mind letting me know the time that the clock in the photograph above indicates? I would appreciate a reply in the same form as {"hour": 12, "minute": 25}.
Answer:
{"hour": 1, "minute": 26}
